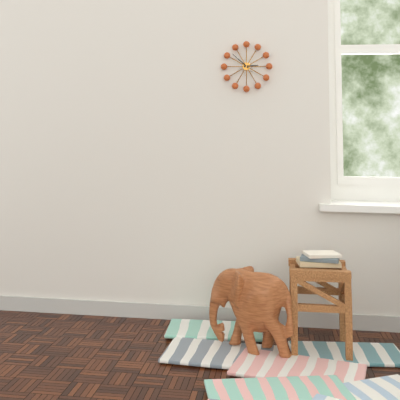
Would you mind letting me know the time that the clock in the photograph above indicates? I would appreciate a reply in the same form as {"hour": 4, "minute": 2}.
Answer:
{"hour": 2, "minute": 52}
